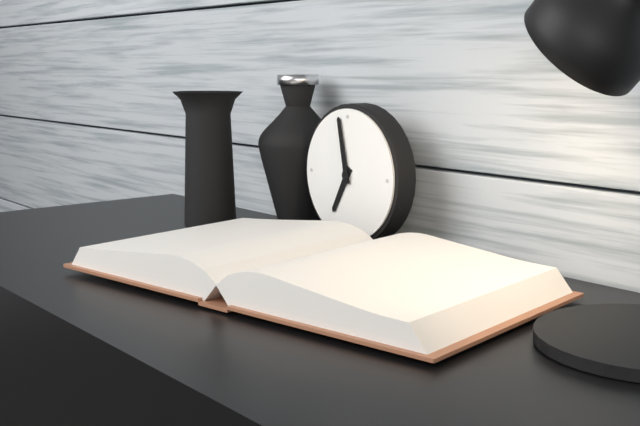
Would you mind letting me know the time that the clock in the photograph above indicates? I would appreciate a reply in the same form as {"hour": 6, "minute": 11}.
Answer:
{"hour": 6, "minute": 58}
